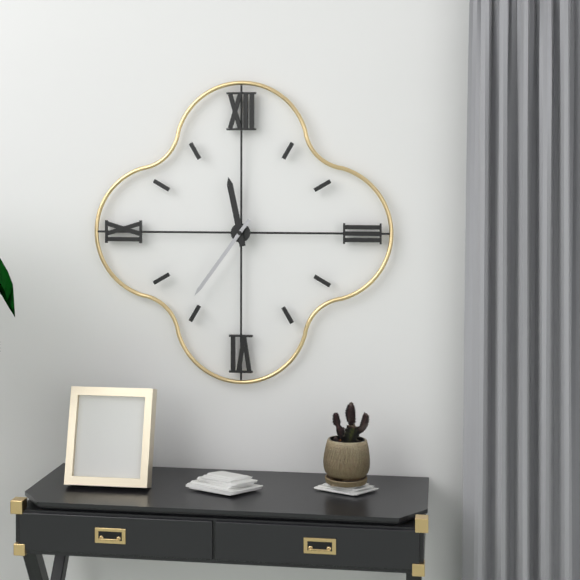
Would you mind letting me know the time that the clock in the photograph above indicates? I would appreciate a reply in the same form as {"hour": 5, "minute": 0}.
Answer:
{"hour": 11, "minute": 36}
